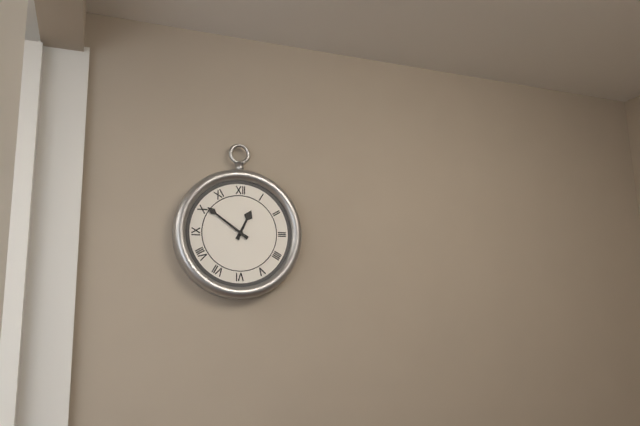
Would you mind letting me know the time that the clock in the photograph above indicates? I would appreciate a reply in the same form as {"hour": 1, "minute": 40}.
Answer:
{"hour": 12, "minute": 51}
